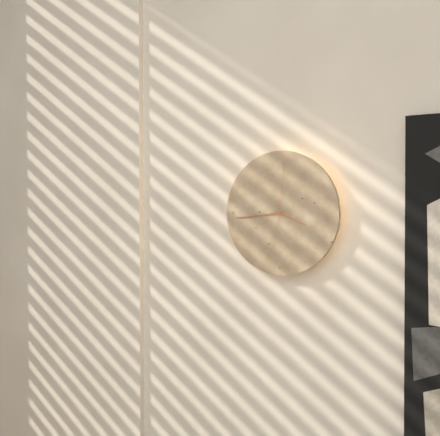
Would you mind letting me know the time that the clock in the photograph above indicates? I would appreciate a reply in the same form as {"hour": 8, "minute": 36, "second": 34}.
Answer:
{"hour": 3, "minute": 44, "second": 1}
